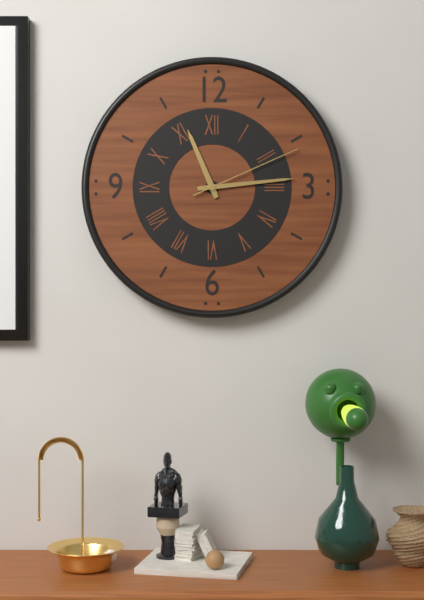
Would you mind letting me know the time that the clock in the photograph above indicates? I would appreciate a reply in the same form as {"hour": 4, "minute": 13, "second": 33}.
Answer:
{"hour": 11, "minute": 14, "second": 11}
